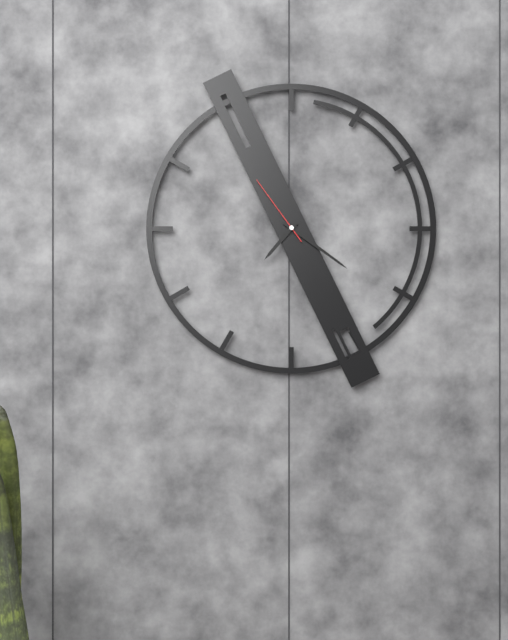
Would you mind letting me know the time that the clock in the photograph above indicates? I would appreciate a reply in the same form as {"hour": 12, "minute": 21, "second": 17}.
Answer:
{"hour": 7, "minute": 21, "second": 54}
